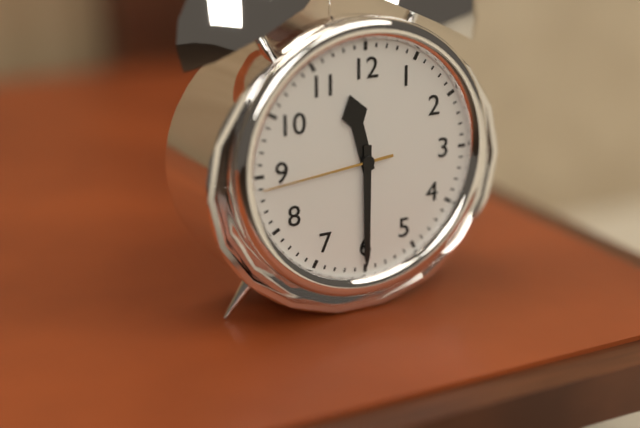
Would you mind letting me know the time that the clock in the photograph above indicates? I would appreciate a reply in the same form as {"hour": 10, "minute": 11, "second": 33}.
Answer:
{"hour": 11, "minute": 30, "second": 44}
